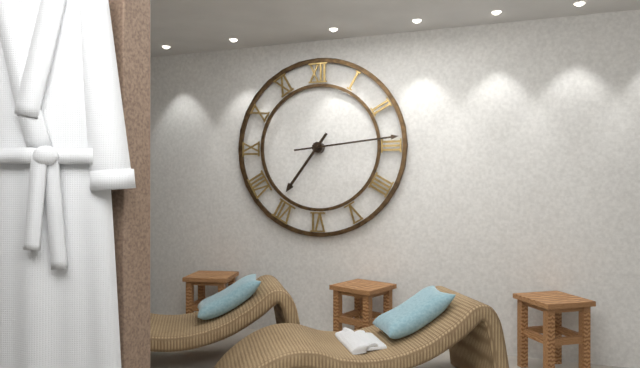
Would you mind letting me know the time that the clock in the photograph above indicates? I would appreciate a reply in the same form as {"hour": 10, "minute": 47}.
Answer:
{"hour": 7, "minute": 14}
